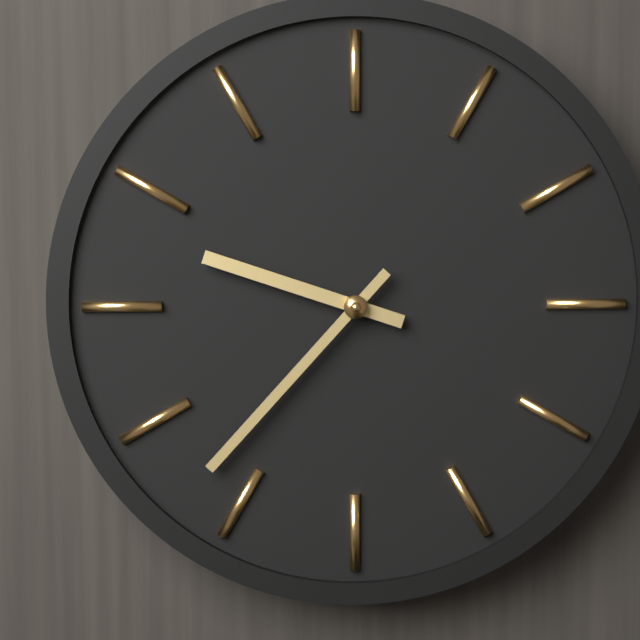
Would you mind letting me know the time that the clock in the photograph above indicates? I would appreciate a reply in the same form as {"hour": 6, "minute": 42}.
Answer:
{"hour": 9, "minute": 37}
